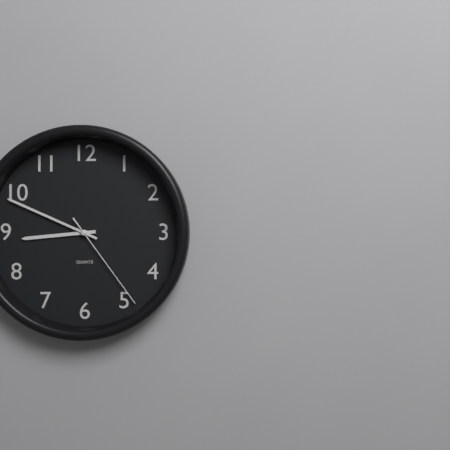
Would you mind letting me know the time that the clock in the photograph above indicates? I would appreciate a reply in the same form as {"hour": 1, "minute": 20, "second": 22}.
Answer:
{"hour": 8, "minute": 49, "second": 24}
